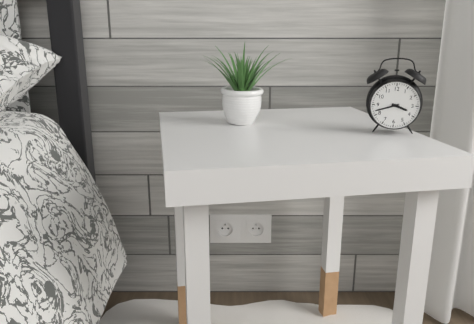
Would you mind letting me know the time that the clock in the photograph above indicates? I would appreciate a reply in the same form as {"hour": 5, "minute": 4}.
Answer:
{"hour": 3, "minute": 42}
